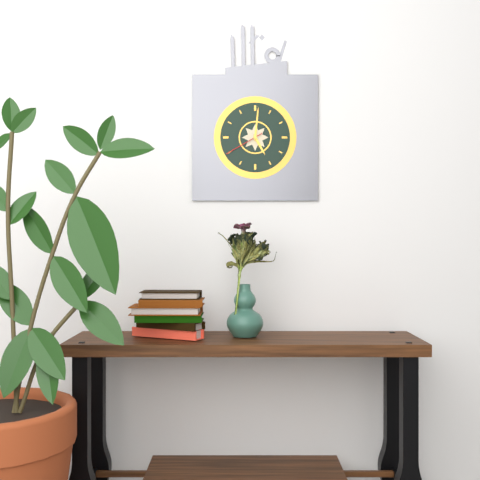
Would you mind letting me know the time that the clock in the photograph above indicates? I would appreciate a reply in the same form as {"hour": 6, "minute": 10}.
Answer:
{"hour": 5, "minute": 1}
